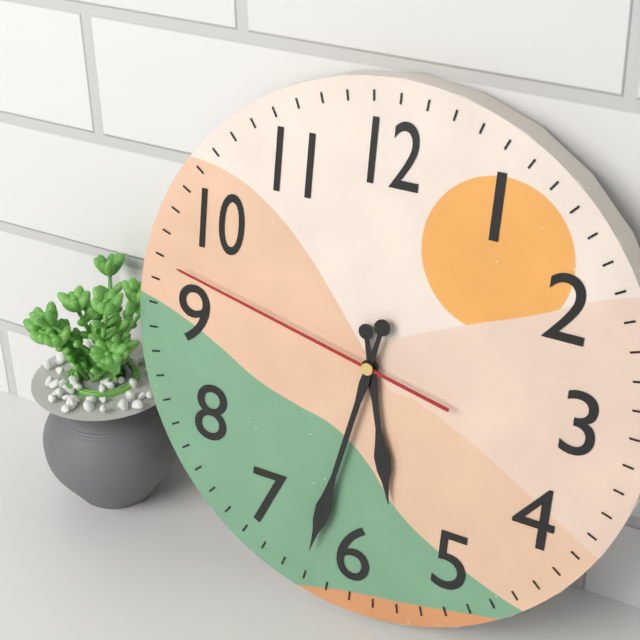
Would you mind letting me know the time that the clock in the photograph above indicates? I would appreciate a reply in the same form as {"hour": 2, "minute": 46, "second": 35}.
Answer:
{"hour": 5, "minute": 32, "second": 47}
